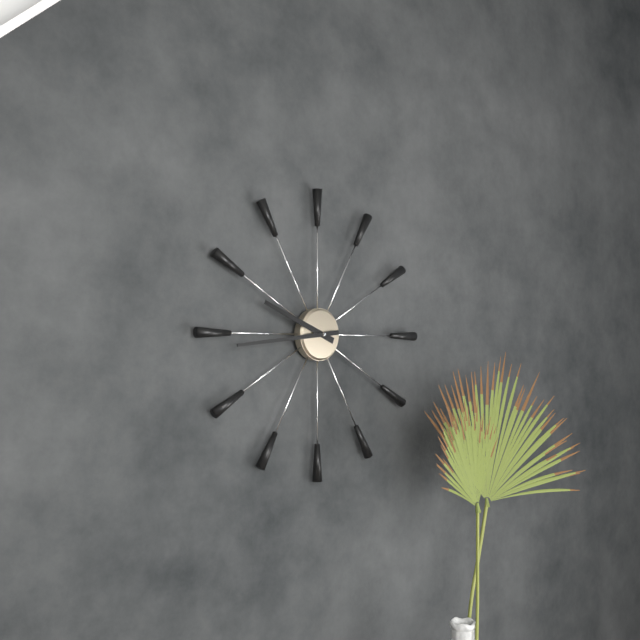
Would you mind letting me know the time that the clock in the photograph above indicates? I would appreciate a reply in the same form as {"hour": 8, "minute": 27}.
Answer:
{"hour": 9, "minute": 44}
